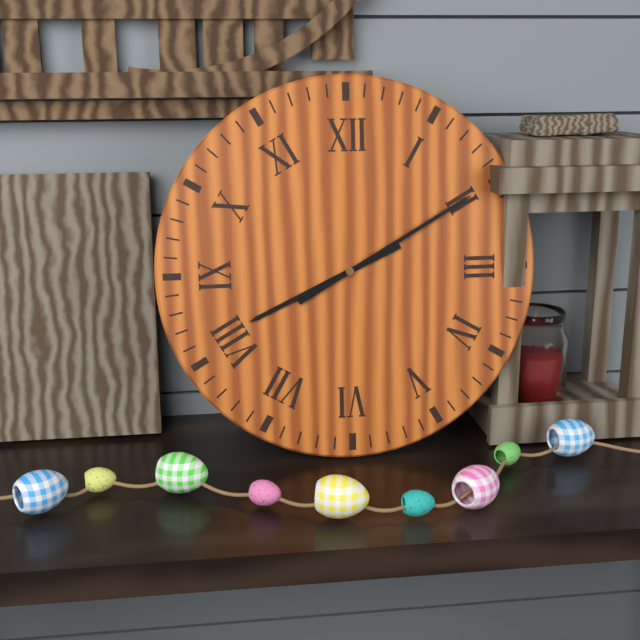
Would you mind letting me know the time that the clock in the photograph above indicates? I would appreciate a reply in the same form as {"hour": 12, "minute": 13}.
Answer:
{"hour": 8, "minute": 10}
